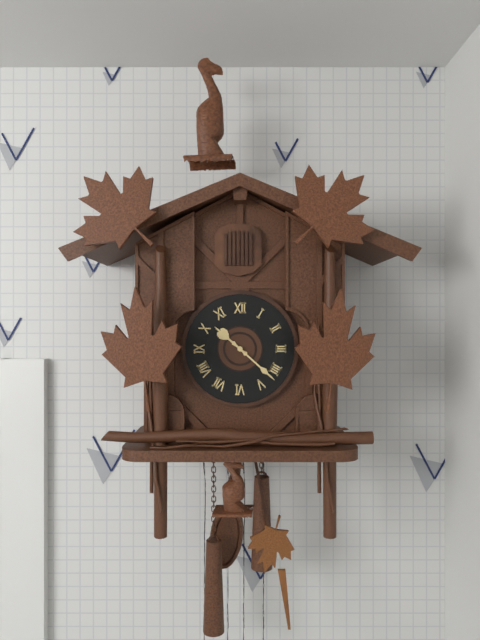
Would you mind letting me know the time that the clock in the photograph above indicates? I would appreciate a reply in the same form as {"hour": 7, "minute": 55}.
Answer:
{"hour": 10, "minute": 22}
